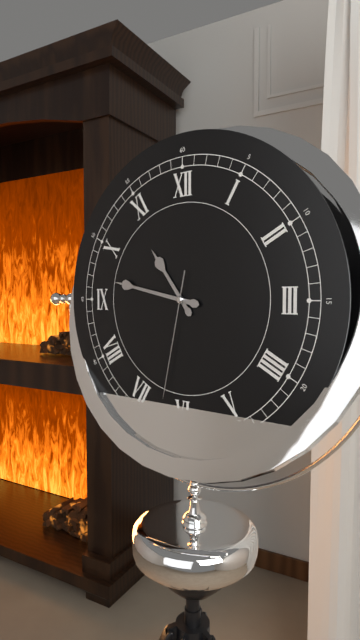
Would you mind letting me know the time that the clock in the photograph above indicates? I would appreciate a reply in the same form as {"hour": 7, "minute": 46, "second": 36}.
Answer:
{"hour": 10, "minute": 47, "second": 32}
